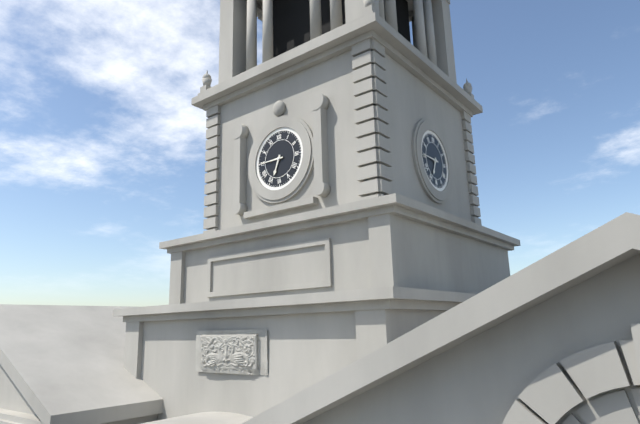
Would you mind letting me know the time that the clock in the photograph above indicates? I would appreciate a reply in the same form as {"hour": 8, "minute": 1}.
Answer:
{"hour": 6, "minute": 45}
